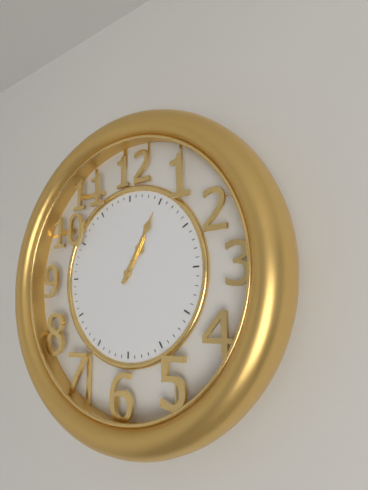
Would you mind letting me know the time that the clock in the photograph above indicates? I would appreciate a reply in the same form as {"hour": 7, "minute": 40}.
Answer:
{"hour": 1, "minute": 5}
